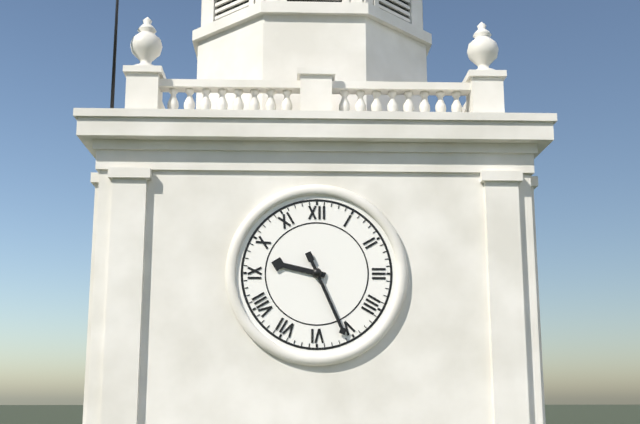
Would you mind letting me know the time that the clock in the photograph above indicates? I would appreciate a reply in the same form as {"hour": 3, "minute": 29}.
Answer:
{"hour": 9, "minute": 26}
